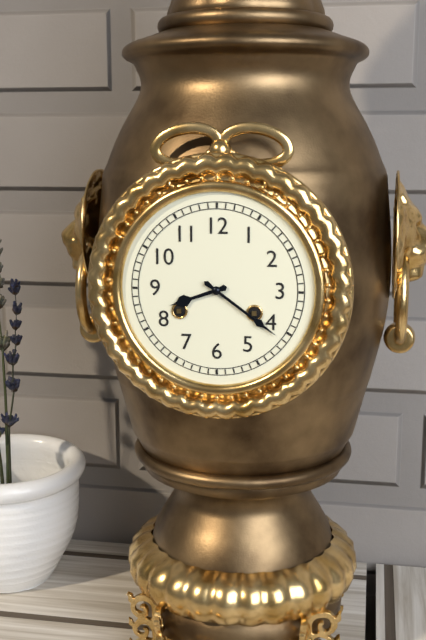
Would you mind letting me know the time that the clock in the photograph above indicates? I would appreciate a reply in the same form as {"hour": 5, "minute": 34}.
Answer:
{"hour": 8, "minute": 21}
